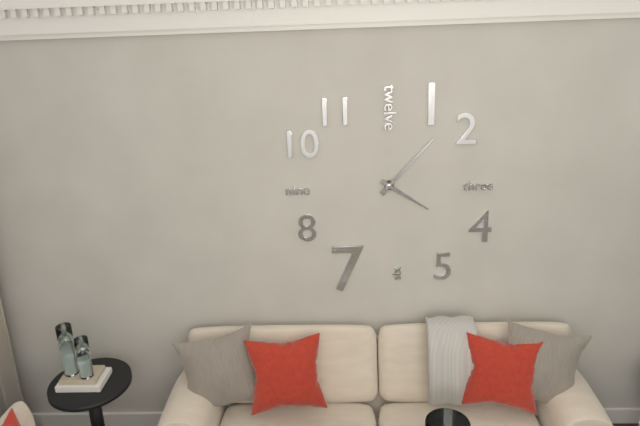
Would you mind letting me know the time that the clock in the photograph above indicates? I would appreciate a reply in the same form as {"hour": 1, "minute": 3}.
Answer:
{"hour": 4, "minute": 7}
